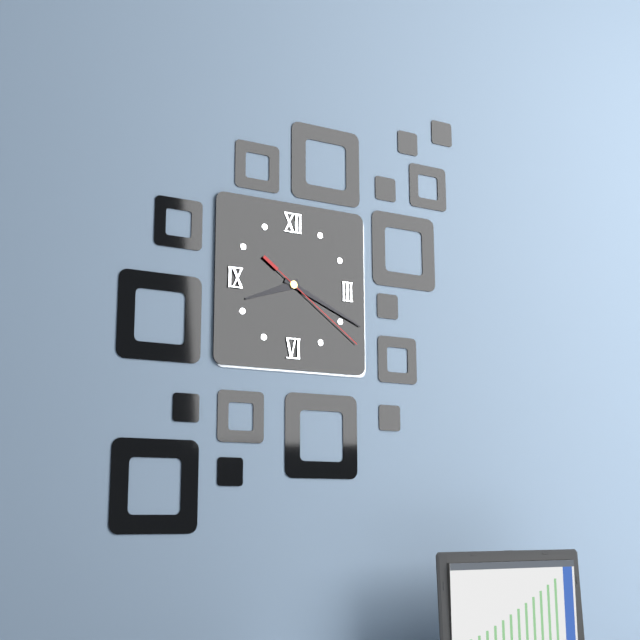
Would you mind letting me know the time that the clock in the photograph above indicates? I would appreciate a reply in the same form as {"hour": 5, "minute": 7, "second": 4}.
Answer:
{"hour": 8, "minute": 19, "second": 21}
